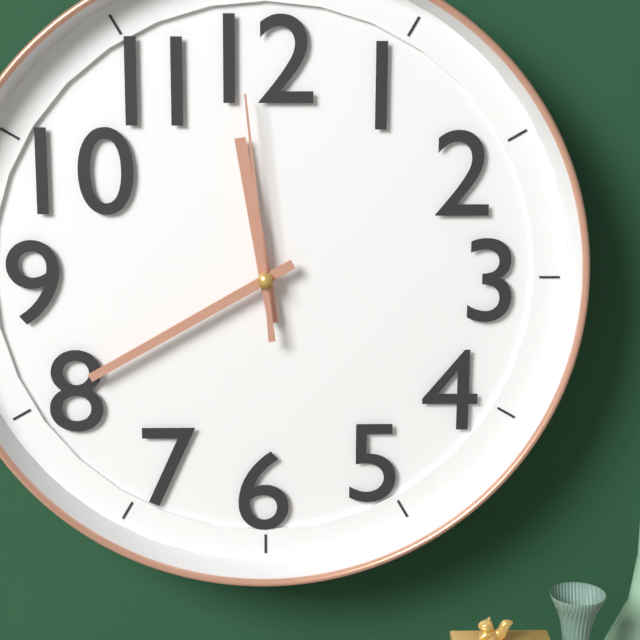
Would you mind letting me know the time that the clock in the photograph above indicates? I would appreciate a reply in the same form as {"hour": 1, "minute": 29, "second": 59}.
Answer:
{"hour": 11, "minute": 40, "second": 59}
